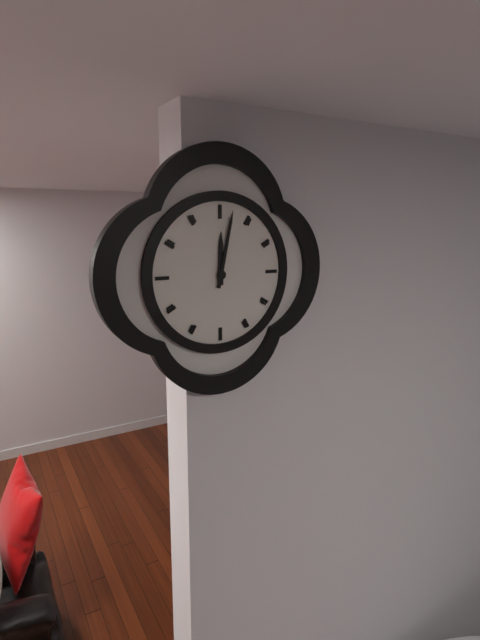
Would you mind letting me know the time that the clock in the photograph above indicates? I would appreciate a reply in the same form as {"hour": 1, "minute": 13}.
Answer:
{"hour": 12, "minute": 2}
